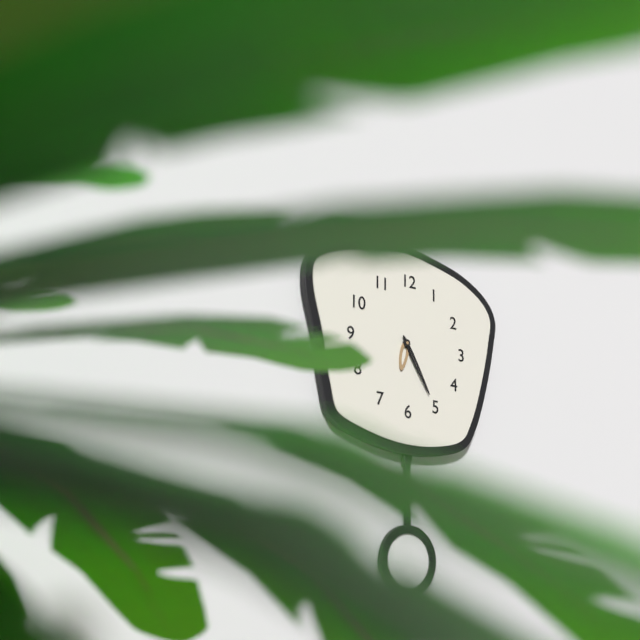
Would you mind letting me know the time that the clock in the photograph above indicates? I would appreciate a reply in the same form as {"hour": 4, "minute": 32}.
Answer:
{"hour": 6, "minute": 25}
